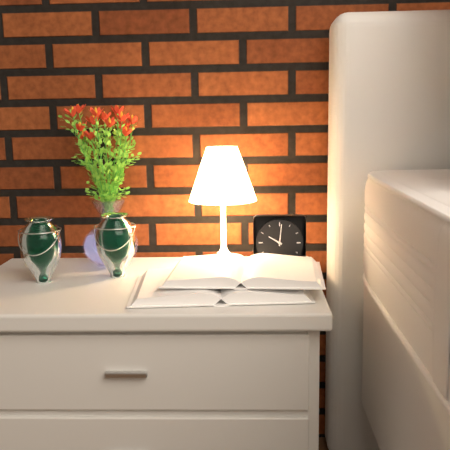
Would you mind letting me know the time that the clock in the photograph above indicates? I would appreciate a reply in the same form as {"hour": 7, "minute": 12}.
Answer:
{"hour": 10, "minute": 1}
